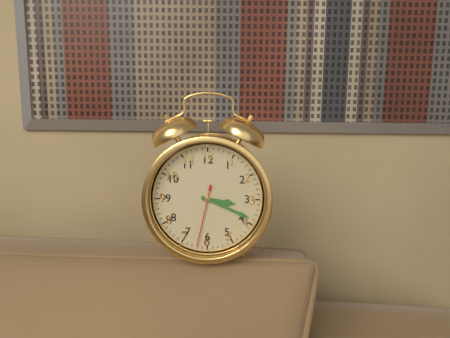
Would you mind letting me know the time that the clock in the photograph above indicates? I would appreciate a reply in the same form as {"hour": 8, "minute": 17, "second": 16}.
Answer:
{"hour": 3, "minute": 19, "second": 32}
